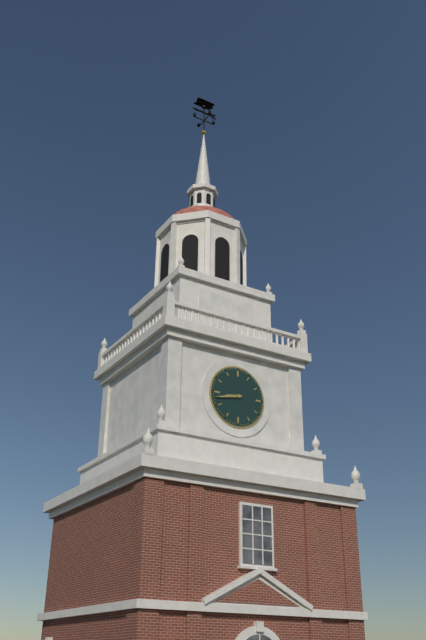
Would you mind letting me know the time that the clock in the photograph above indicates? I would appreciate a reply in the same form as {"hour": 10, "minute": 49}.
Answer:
{"hour": 8, "minute": 43}
